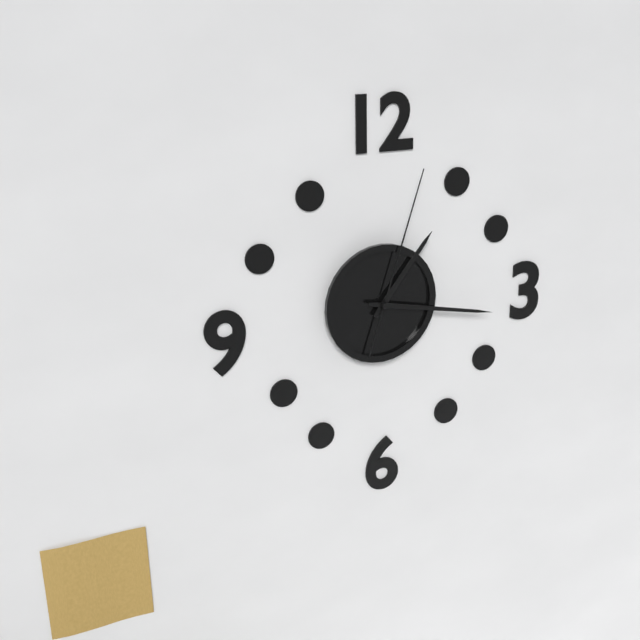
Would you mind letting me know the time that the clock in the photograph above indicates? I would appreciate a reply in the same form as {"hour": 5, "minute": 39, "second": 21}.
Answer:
{"hour": 1, "minute": 17, "second": 3}
